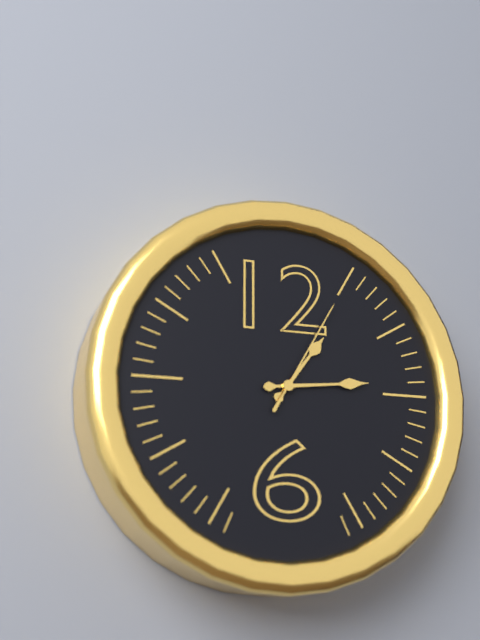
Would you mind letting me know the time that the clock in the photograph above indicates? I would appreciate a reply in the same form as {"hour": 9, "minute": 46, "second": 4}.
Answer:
{"hour": 1, "minute": 14, "second": 5}
